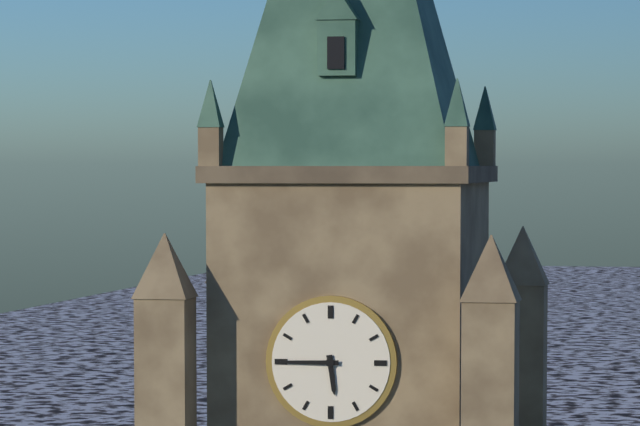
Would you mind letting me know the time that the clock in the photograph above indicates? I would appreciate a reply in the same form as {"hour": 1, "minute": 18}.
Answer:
{"hour": 5, "minute": 45}
